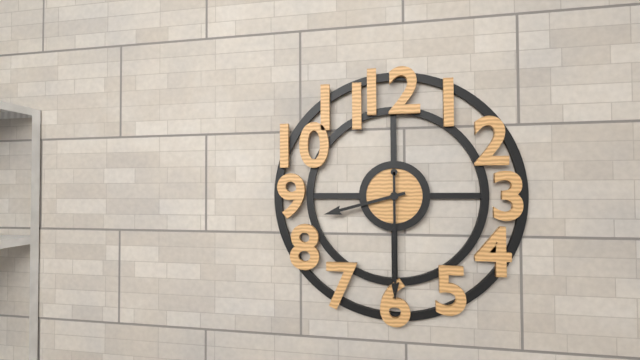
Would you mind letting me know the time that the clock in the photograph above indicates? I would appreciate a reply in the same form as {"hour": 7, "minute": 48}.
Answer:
{"hour": 8, "minute": 30}
